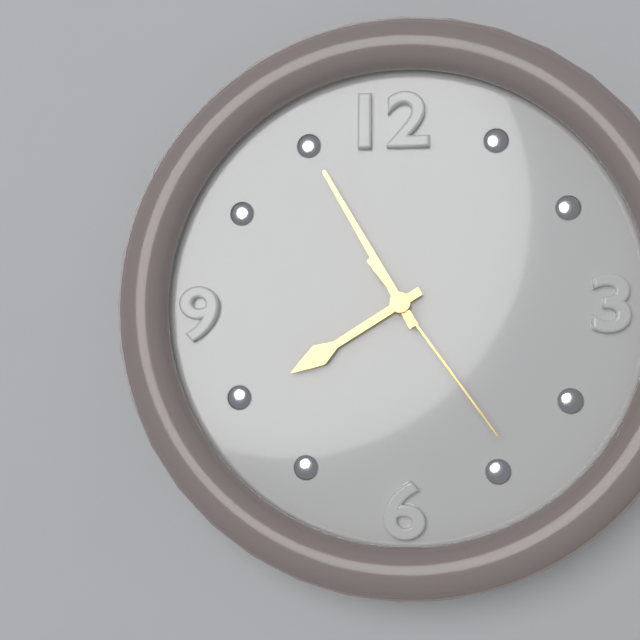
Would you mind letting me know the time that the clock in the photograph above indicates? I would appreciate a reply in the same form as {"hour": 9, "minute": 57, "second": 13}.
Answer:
{"hour": 7, "minute": 55, "second": 24}
